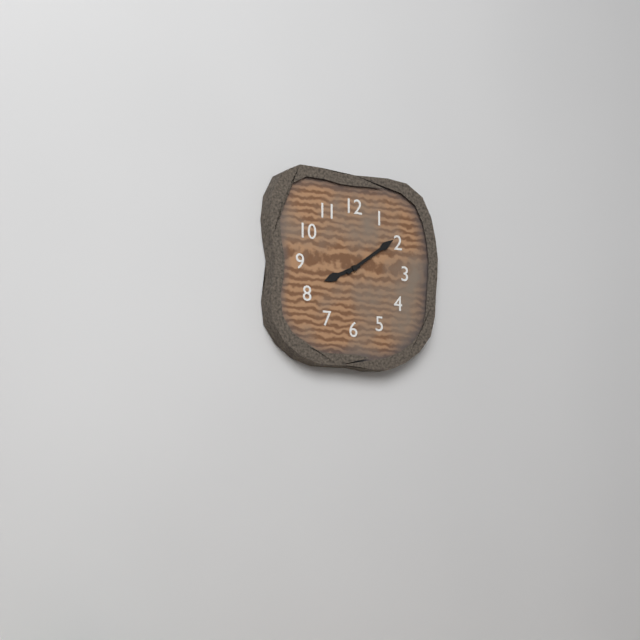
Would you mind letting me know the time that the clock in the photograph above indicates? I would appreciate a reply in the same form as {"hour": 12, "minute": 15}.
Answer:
{"hour": 8, "minute": 9}
